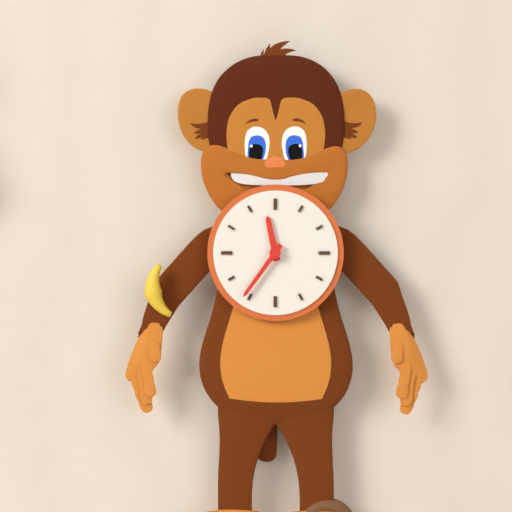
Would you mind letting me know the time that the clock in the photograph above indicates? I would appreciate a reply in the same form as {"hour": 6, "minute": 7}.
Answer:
{"hour": 11, "minute": 36}
